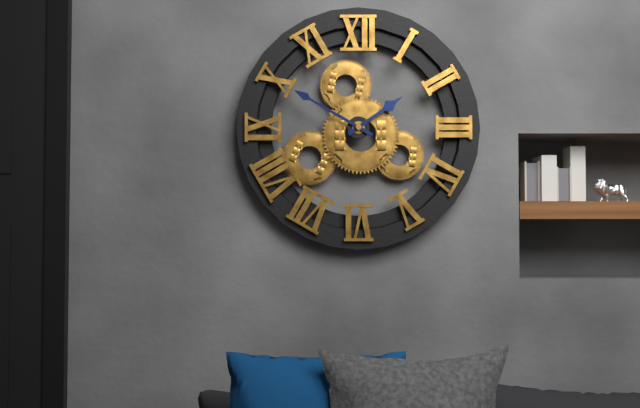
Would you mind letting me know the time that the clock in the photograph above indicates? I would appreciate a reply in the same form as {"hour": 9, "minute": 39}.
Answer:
{"hour": 1, "minute": 50}
